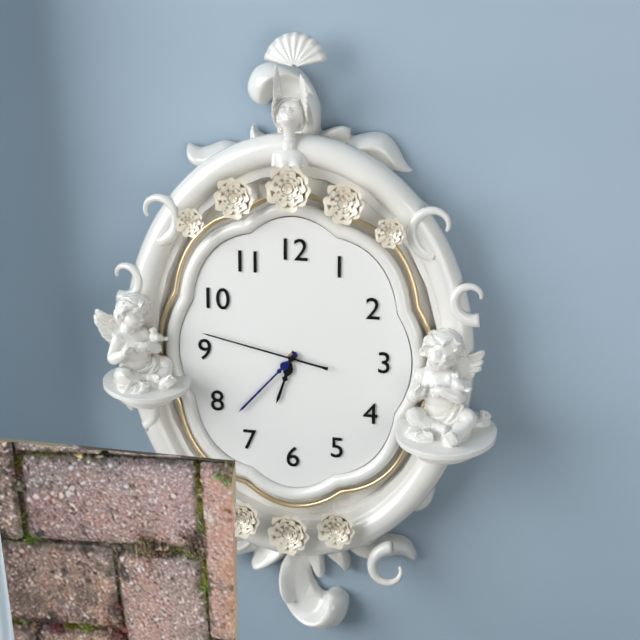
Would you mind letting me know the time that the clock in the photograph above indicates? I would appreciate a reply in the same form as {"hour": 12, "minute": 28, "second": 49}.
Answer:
{"hour": 6, "minute": 37, "second": 47}
